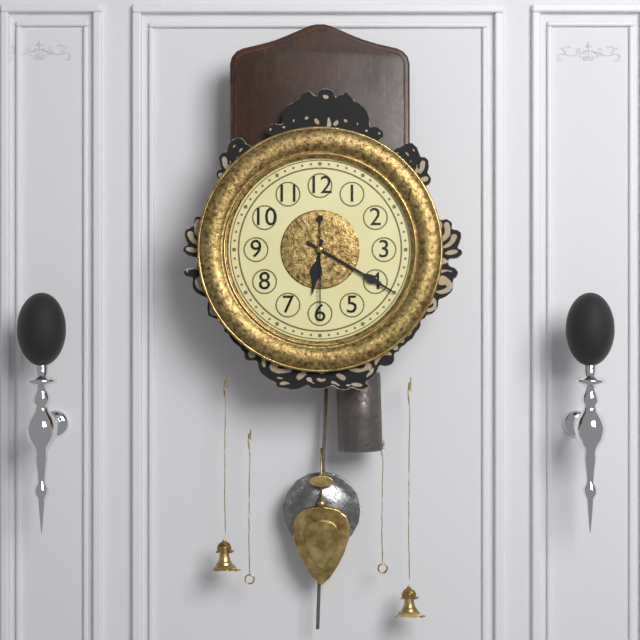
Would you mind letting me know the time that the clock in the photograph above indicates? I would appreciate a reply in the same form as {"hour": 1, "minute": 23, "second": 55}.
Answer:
{"hour": 6, "minute": 20, "second": 30}
